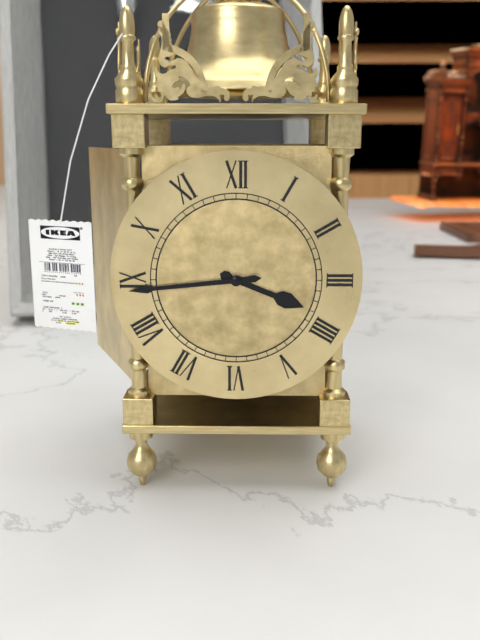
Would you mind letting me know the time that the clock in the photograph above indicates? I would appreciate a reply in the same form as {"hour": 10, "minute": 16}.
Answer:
{"hour": 3, "minute": 44}
